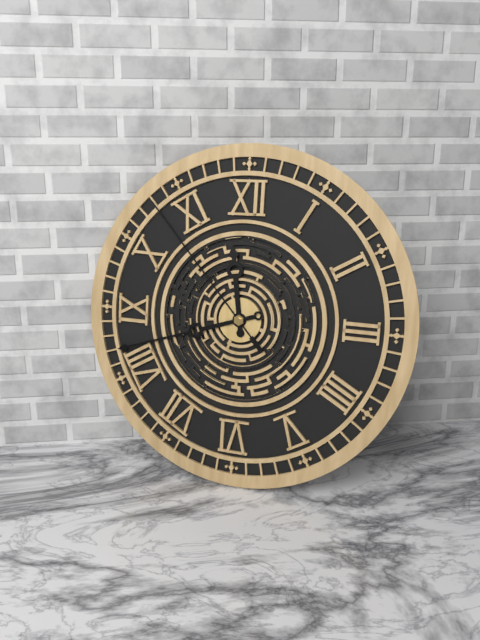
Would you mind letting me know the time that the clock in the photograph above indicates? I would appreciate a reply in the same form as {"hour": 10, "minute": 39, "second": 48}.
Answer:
{"hour": 11, "minute": 42, "second": 53}
